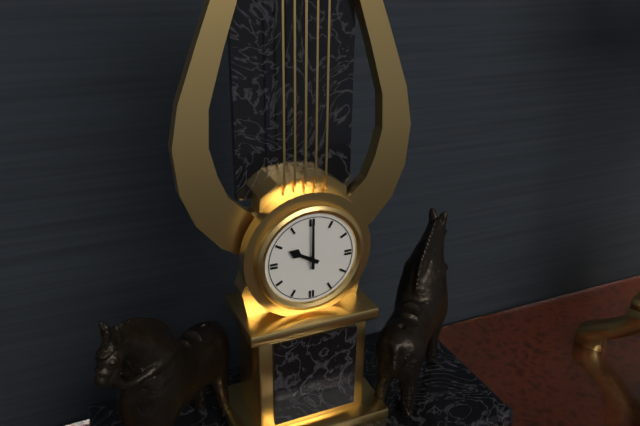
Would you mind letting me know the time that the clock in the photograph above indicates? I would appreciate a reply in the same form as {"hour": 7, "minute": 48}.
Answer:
{"hour": 10, "minute": 0}
